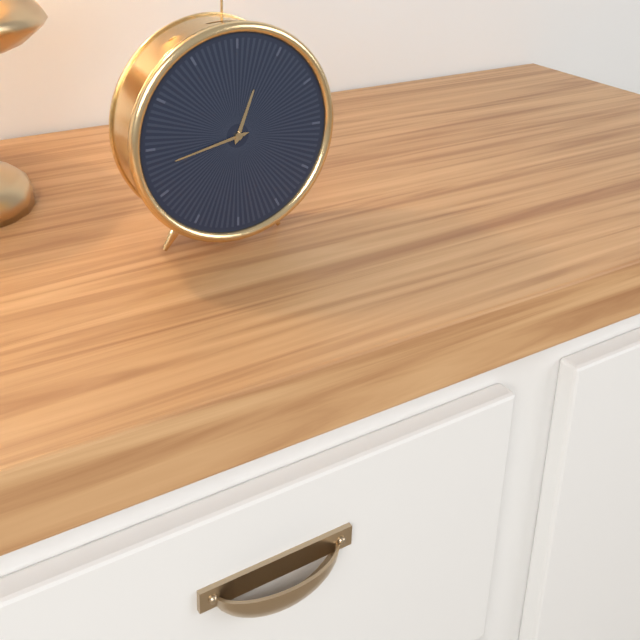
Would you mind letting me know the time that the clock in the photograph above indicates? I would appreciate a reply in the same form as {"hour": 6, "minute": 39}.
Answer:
{"hour": 12, "minute": 43}
